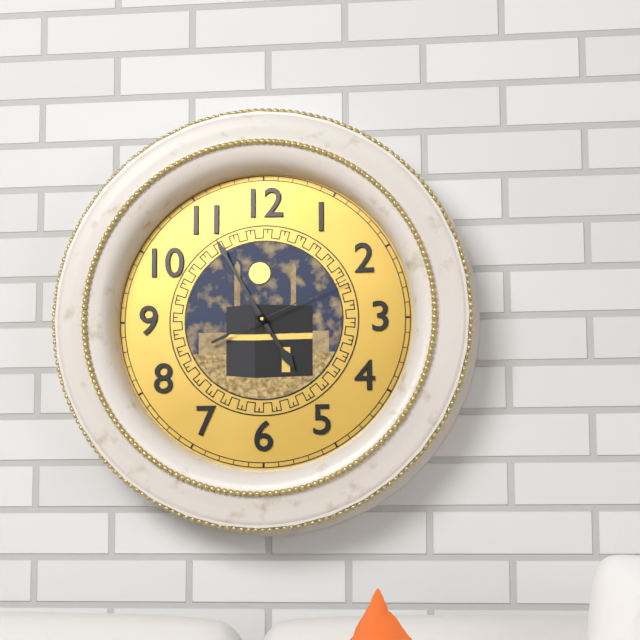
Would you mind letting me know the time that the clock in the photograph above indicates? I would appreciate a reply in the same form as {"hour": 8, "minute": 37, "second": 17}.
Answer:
{"hour": 4, "minute": 55, "second": 11}
